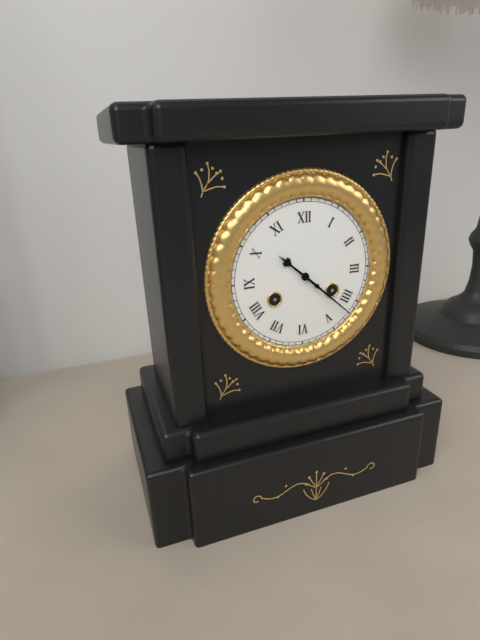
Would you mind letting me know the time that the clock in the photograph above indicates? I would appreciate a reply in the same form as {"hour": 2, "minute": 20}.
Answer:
{"hour": 10, "minute": 22}
